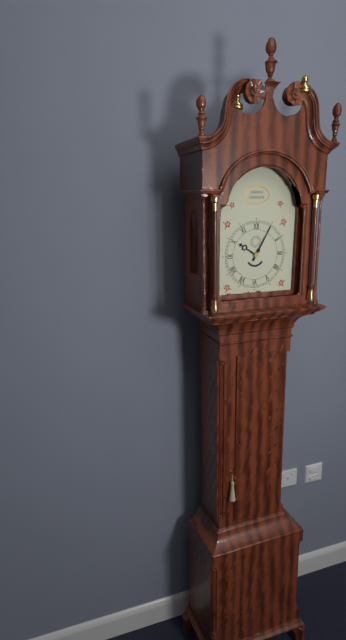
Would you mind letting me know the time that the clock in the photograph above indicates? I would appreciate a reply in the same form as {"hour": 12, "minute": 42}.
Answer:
{"hour": 10, "minute": 5}
